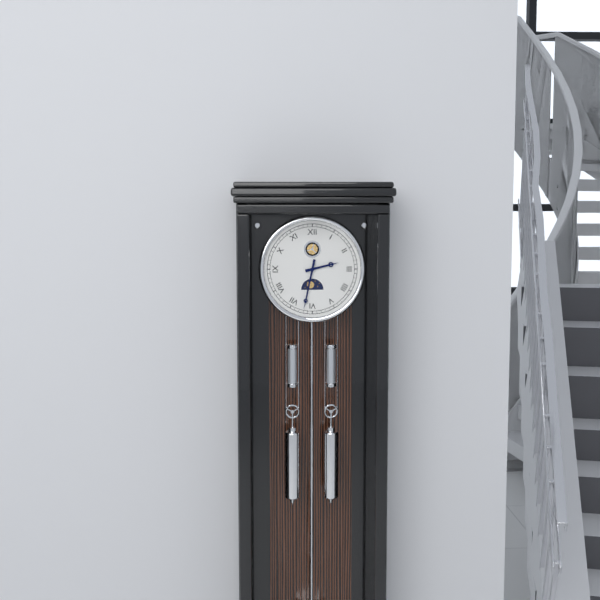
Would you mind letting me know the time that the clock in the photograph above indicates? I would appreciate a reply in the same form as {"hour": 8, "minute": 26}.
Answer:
{"hour": 2, "minute": 32}
